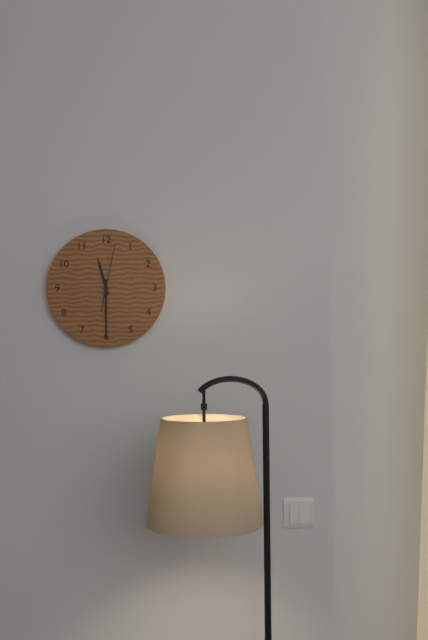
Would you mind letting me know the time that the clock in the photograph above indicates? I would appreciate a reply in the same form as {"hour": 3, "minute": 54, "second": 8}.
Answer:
{"hour": 11, "minute": 30, "second": 2}
